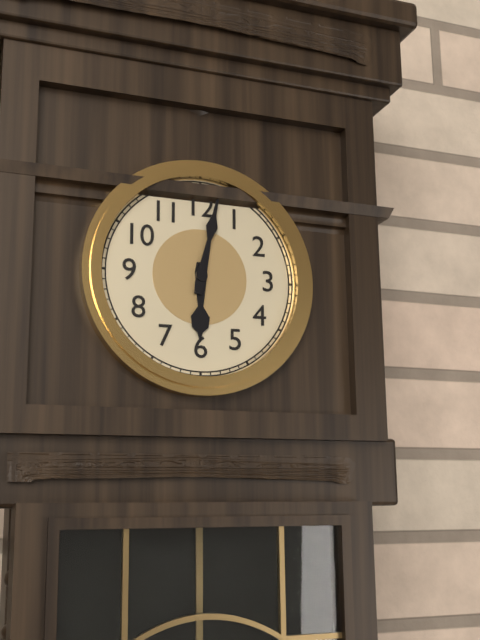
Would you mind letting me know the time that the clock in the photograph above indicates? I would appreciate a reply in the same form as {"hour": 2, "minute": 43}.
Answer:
{"hour": 6, "minute": 2}
